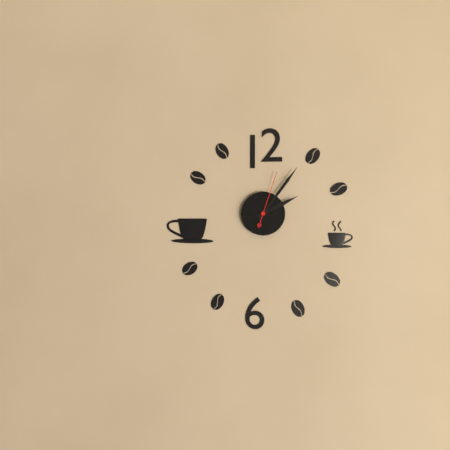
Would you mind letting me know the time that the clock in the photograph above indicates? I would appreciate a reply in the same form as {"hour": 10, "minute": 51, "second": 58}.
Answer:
{"hour": 2, "minute": 6, "second": 3}
